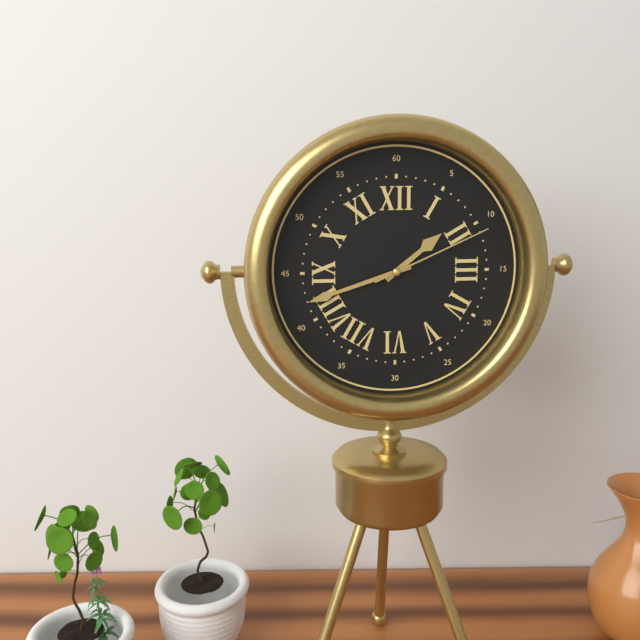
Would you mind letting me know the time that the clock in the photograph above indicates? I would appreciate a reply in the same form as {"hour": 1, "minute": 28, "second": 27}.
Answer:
{"hour": 1, "minute": 42, "second": 11}
